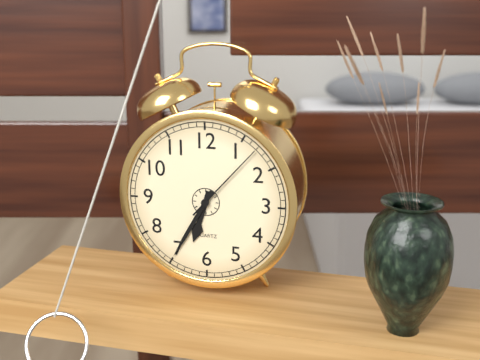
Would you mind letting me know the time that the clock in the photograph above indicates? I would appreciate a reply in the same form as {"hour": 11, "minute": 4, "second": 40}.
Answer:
{"hour": 6, "minute": 35, "second": 7}
